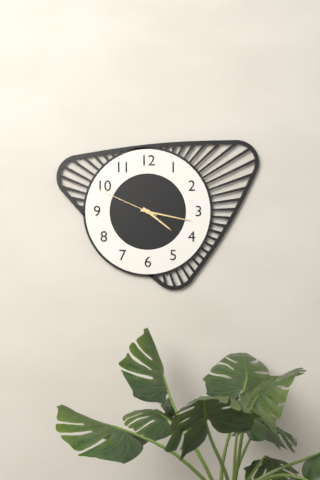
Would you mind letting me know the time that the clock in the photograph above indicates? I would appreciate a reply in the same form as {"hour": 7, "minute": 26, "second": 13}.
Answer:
{"hour": 4, "minute": 17, "second": 49}
